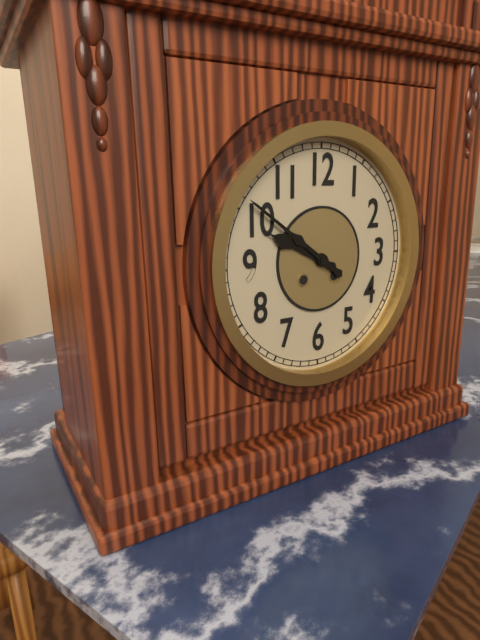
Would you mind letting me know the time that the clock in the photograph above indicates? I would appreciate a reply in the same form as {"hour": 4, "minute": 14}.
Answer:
{"hour": 9, "minute": 51}
